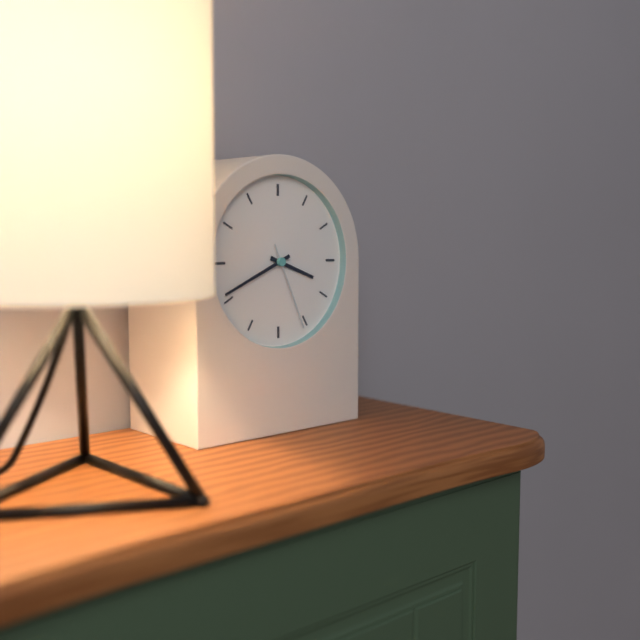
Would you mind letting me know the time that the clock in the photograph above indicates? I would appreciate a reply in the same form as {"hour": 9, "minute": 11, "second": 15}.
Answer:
{"hour": 3, "minute": 41, "second": 26}
